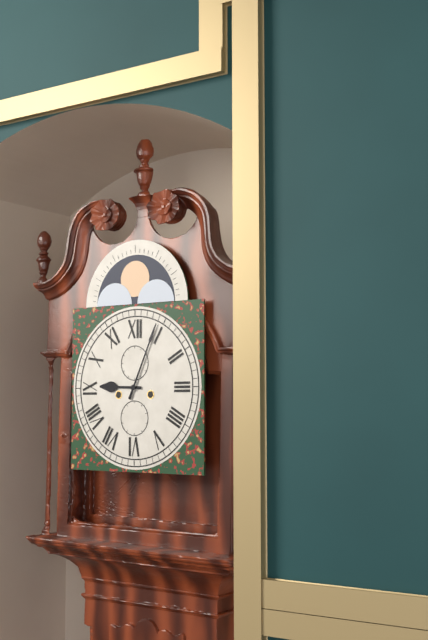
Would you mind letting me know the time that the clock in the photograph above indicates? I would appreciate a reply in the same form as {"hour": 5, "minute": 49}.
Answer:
{"hour": 9, "minute": 4}
